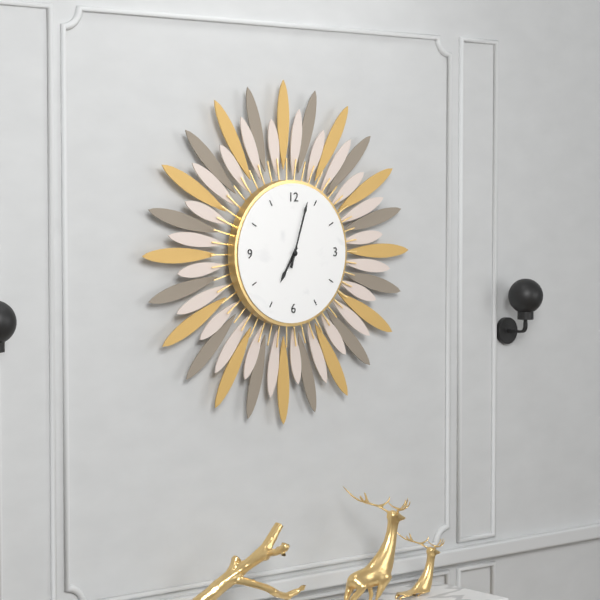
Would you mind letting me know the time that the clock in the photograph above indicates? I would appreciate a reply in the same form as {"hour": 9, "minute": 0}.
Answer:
{"hour": 7, "minute": 3}
